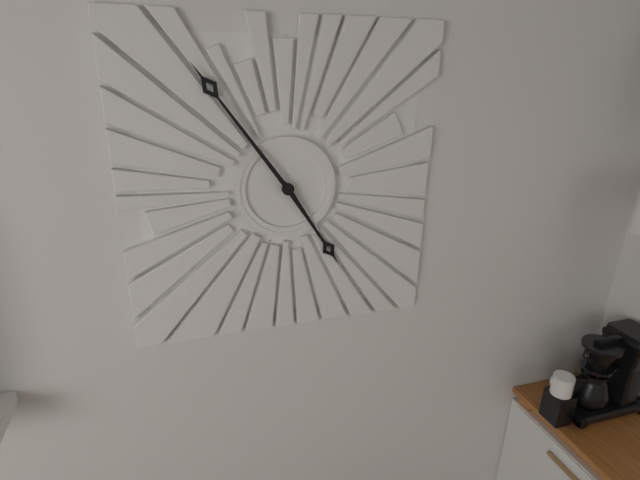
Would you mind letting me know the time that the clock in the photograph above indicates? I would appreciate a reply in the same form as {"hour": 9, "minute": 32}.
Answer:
{"hour": 4, "minute": 54}
